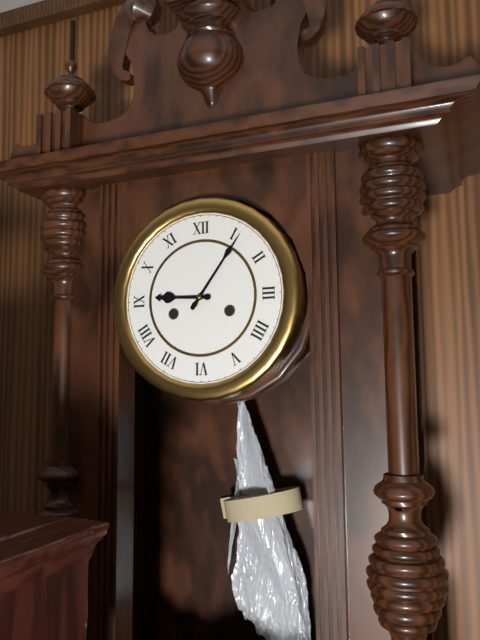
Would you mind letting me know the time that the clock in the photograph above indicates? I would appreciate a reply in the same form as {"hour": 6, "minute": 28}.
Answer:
{"hour": 9, "minute": 6}
